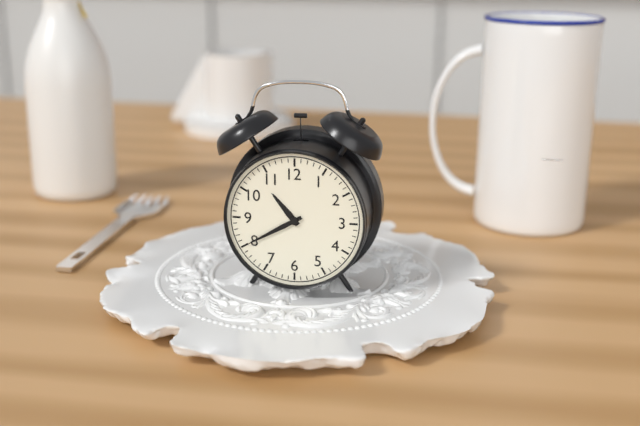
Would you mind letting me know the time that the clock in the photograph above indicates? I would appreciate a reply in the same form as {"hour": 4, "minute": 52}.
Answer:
{"hour": 10, "minute": 40}
